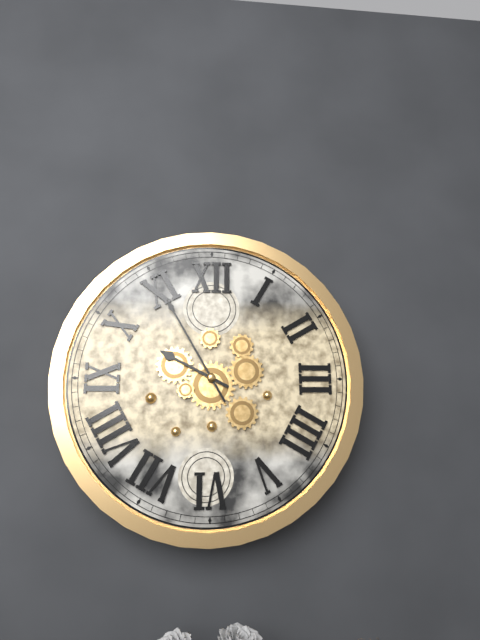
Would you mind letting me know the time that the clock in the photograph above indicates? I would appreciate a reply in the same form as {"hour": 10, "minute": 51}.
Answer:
{"hour": 9, "minute": 55}
